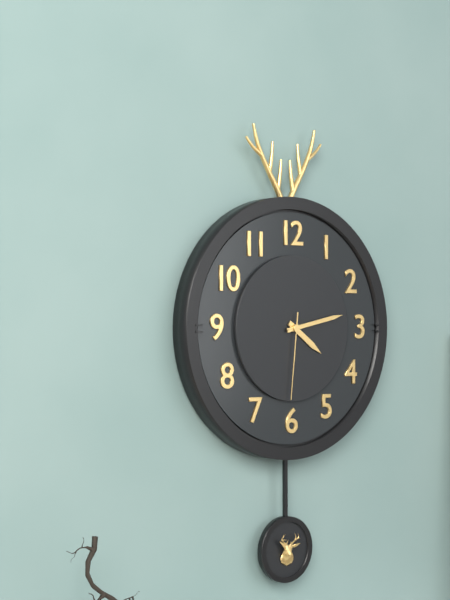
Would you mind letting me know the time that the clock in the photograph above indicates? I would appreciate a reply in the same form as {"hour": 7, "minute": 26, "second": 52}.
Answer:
{"hour": 4, "minute": 13, "second": 31}
